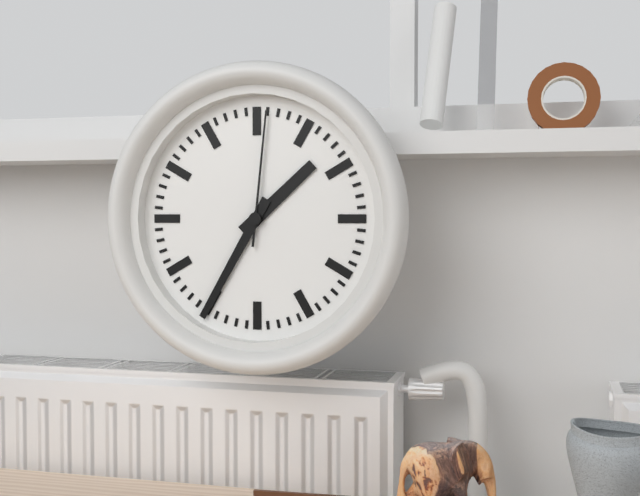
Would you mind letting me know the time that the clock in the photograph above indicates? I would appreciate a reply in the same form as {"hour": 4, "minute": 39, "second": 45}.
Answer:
{"hour": 1, "minute": 35, "second": 1}
